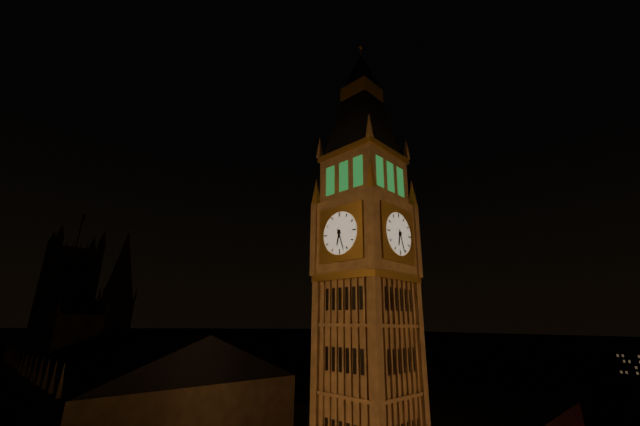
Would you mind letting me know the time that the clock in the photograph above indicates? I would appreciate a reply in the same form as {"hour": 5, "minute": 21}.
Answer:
{"hour": 6, "minute": 27}
